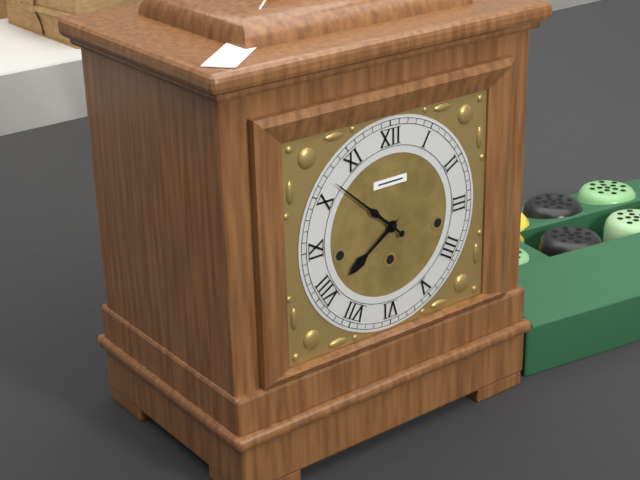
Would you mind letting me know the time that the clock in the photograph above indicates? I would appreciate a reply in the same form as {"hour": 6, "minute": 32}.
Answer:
{"hour": 7, "minute": 52}
